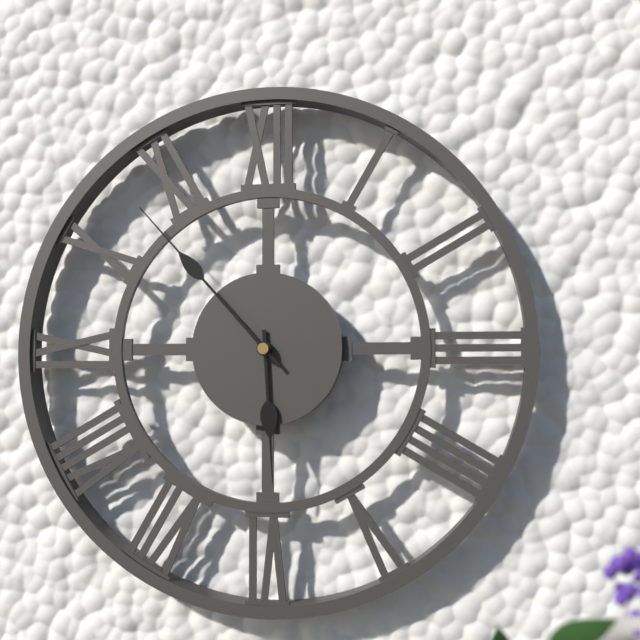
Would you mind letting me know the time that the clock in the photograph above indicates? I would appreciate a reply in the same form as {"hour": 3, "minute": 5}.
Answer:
{"hour": 5, "minute": 53}
